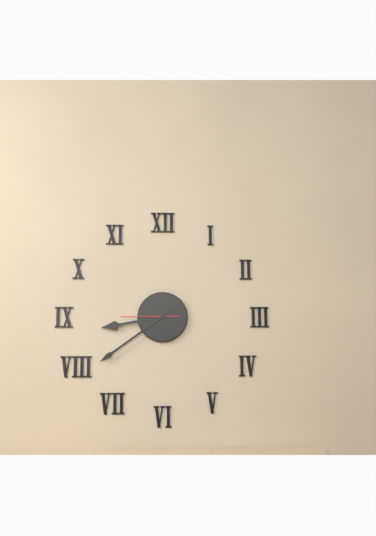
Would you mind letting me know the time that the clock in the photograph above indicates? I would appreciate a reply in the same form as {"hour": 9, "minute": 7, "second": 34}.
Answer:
{"hour": 8, "minute": 39, "second": 45}
